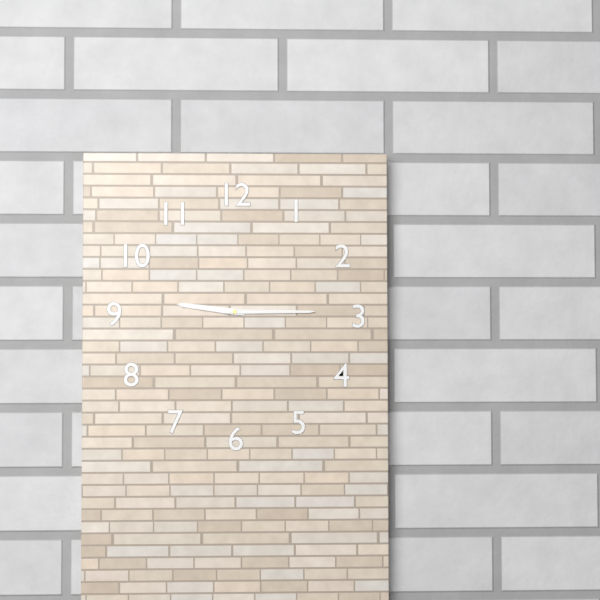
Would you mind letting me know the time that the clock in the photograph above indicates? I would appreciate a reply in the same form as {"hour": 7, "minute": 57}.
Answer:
{"hour": 9, "minute": 15}
